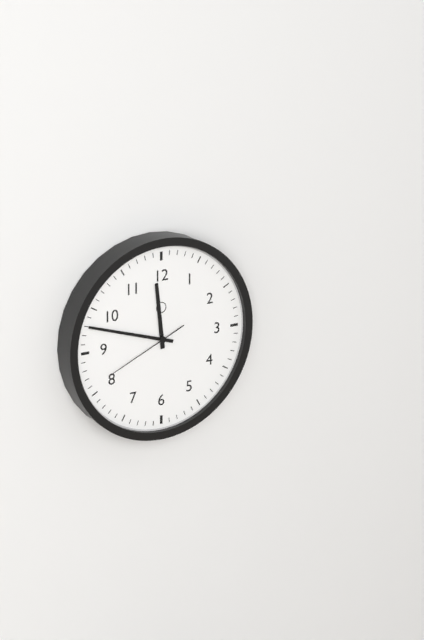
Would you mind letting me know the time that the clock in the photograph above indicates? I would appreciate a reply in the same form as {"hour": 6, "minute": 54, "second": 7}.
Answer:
{"hour": 11, "minute": 48, "second": 41}
